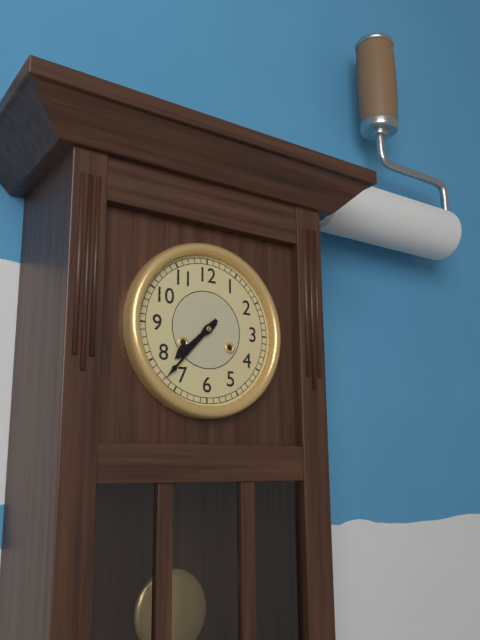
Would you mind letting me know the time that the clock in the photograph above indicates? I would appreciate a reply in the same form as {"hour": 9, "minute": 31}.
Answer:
{"hour": 7, "minute": 37}
